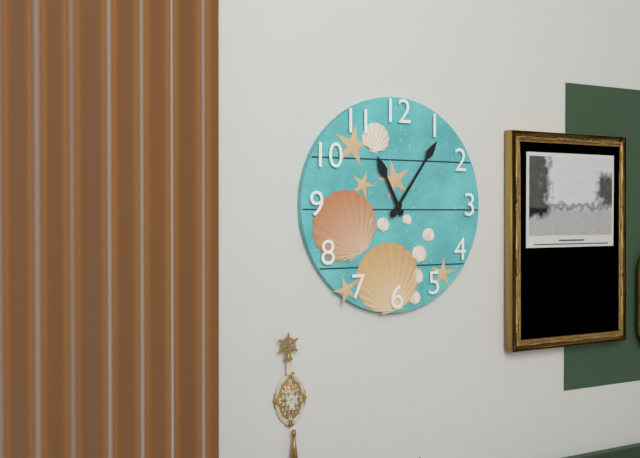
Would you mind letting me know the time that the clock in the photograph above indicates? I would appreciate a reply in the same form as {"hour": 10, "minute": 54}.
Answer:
{"hour": 11, "minute": 6}
